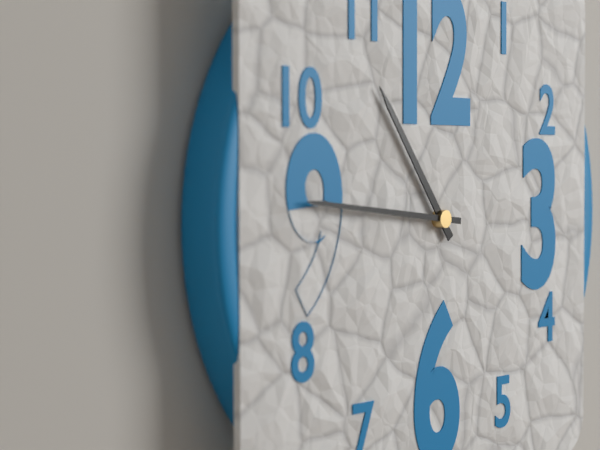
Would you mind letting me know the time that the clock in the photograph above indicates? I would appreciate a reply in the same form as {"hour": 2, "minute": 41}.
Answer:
{"hour": 10, "minute": 46}
